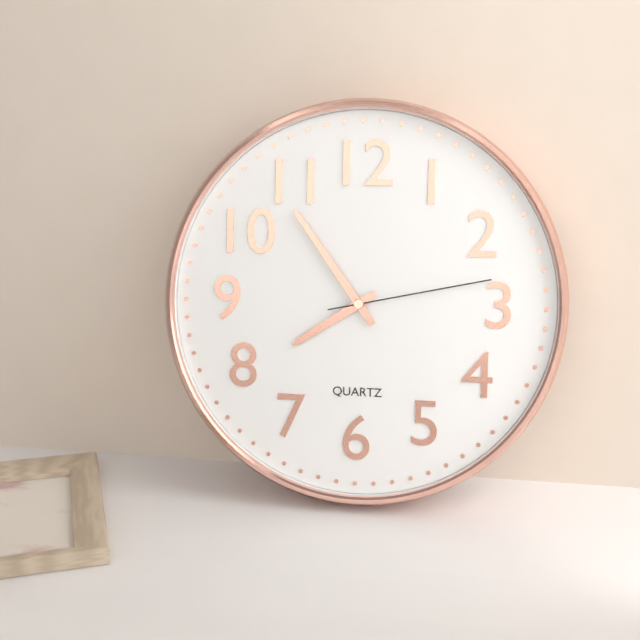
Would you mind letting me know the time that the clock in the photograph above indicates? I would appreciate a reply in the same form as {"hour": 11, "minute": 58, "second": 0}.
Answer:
{"hour": 7, "minute": 54, "second": 13}
